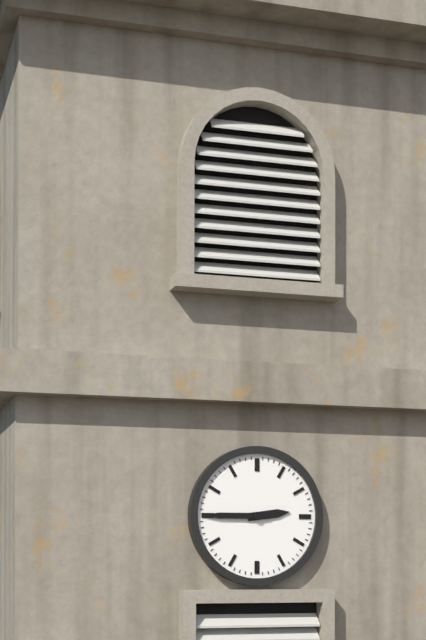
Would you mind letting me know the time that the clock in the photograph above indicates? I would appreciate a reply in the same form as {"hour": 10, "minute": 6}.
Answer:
{"hour": 2, "minute": 45}
